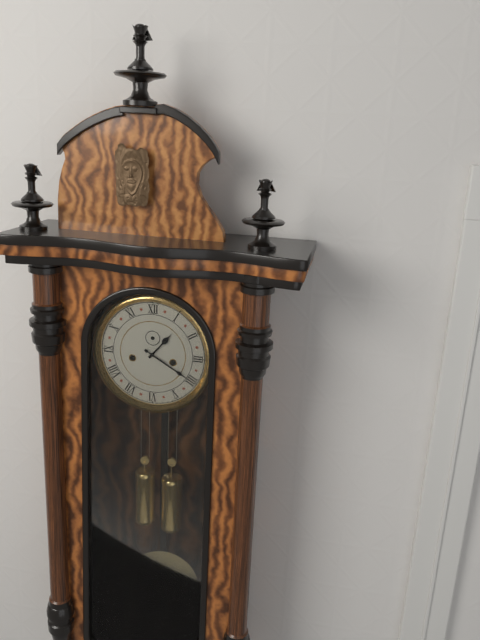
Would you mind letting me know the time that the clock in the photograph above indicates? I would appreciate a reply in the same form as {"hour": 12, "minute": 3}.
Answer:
{"hour": 1, "minute": 20}
